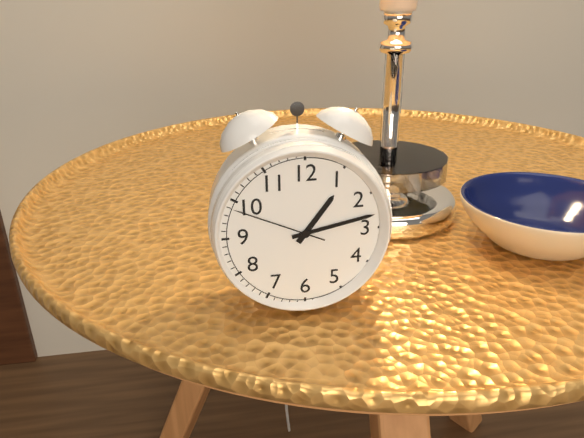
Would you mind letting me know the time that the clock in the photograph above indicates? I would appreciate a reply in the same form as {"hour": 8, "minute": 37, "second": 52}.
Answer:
{"hour": 1, "minute": 13, "second": 49}
